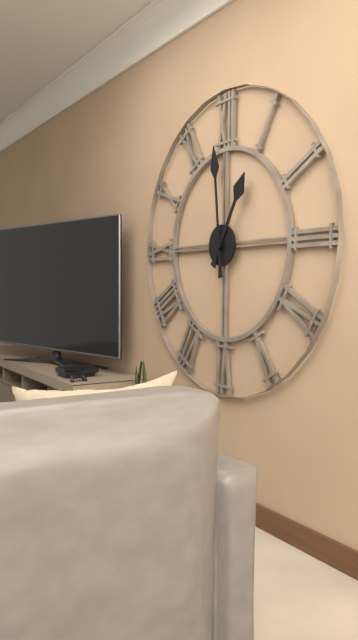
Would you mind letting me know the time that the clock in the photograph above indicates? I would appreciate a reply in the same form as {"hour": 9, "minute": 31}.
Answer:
{"hour": 12, "minute": 59}
